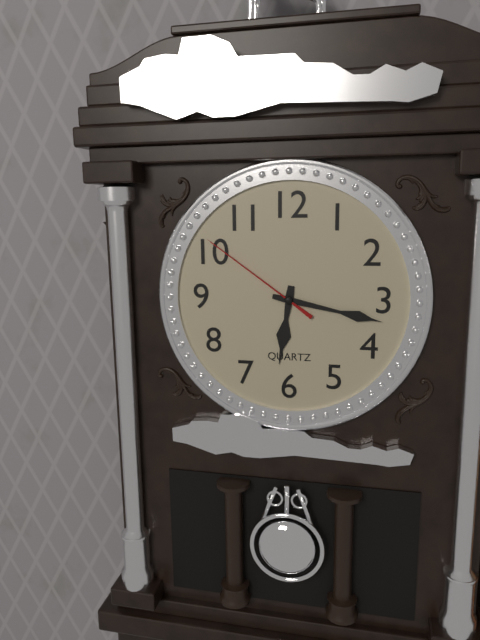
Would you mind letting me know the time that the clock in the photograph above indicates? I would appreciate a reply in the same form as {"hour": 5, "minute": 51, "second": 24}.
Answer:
{"hour": 6, "minute": 17, "second": 51}
